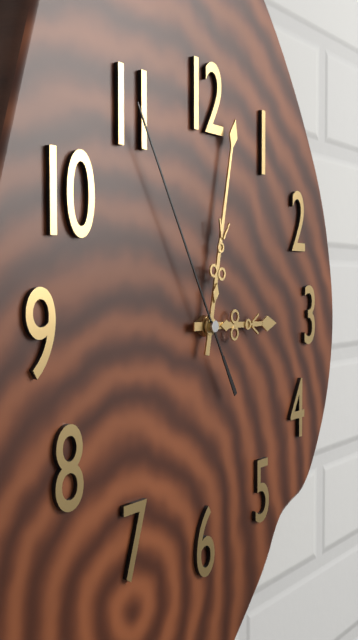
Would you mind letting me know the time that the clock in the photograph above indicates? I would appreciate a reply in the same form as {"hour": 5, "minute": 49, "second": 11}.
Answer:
{"hour": 3, "minute": 2, "second": 55}
